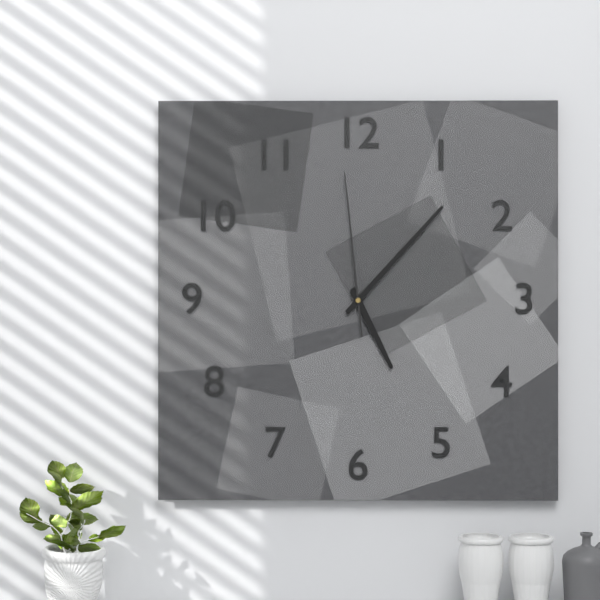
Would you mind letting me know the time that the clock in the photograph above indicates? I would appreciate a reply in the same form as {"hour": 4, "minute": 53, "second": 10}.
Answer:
{"hour": 5, "minute": 7, "second": 59}
